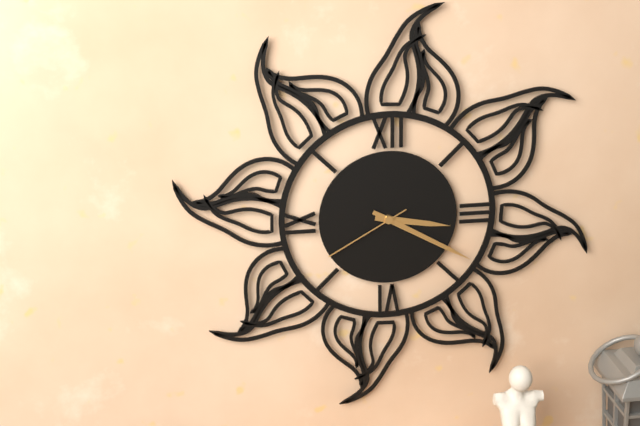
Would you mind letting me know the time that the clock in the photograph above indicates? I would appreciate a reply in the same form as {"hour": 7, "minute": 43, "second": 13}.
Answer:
{"hour": 3, "minute": 20, "second": 40}
